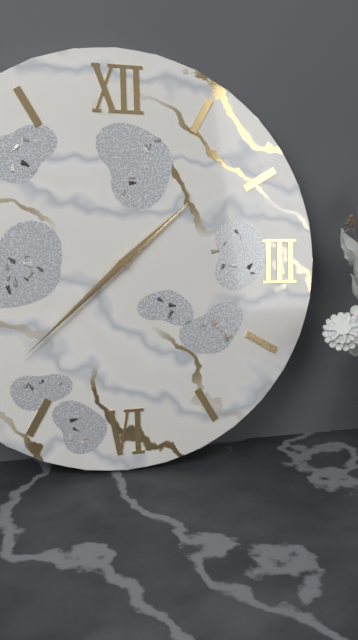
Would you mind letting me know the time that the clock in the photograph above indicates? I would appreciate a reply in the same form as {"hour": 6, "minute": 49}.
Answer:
{"hour": 1, "minute": 38}
